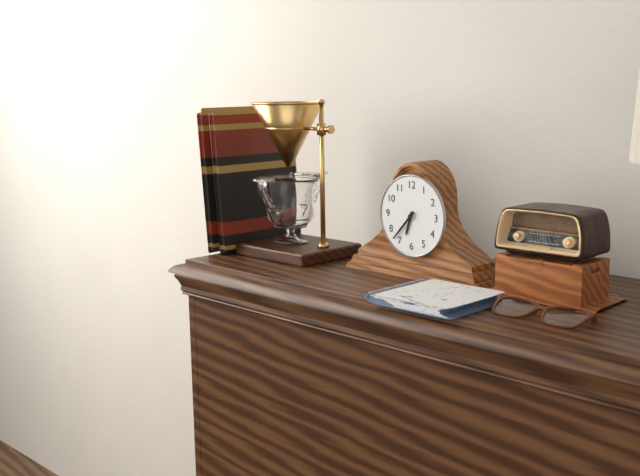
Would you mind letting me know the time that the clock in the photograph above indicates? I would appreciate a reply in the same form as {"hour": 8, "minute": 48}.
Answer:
{"hour": 6, "minute": 37}
